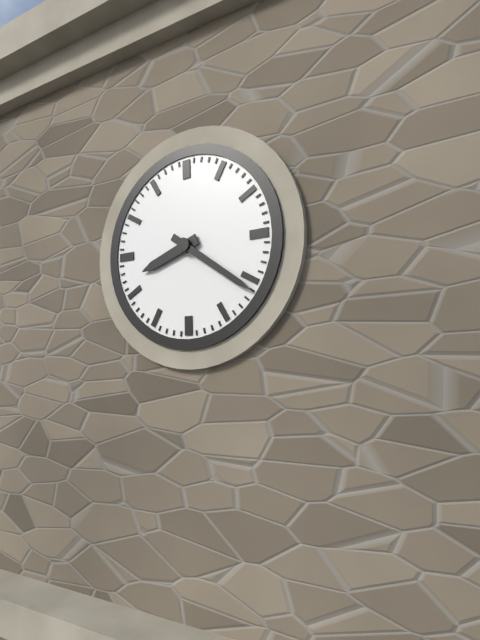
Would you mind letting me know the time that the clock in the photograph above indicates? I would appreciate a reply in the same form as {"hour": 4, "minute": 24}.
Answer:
{"hour": 8, "minute": 21}
